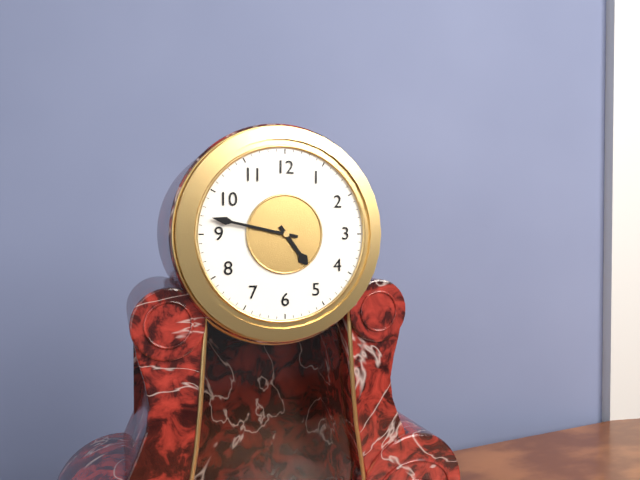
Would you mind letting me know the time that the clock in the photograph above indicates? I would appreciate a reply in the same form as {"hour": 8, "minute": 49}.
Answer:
{"hour": 4, "minute": 47}
